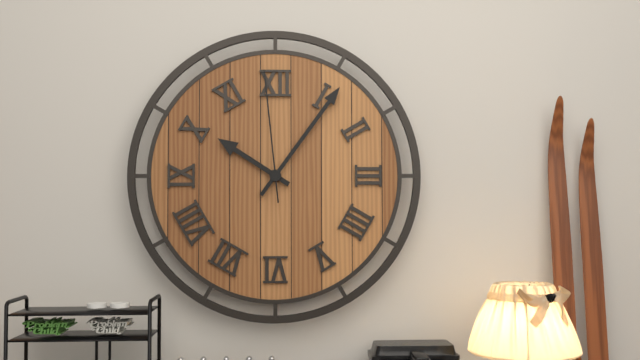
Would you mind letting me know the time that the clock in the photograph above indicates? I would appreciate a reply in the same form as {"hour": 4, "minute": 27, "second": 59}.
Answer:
{"hour": 10, "minute": 6, "second": 59}
